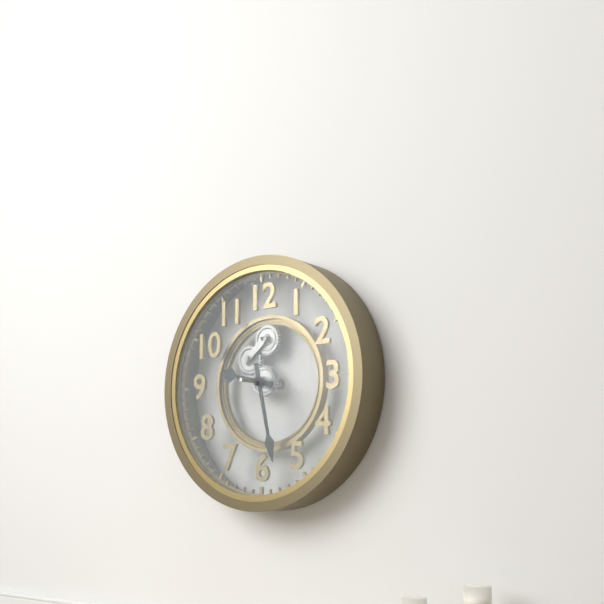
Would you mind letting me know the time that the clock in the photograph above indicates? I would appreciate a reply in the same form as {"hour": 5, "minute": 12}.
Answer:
{"hour": 9, "minute": 28}
